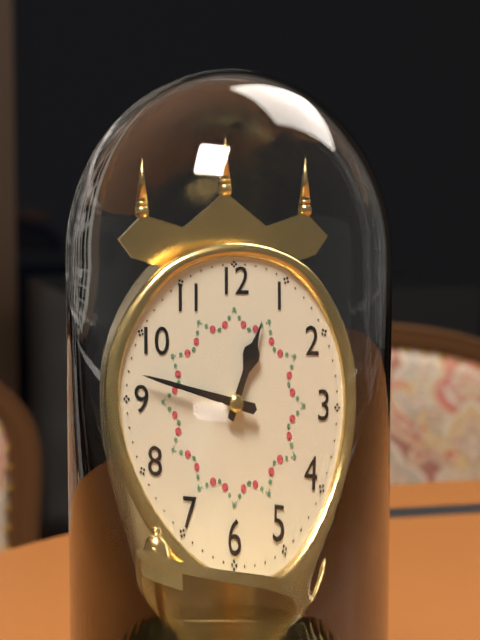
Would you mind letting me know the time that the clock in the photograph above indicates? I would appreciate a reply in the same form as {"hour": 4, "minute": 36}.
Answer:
{"hour": 12, "minute": 47}
